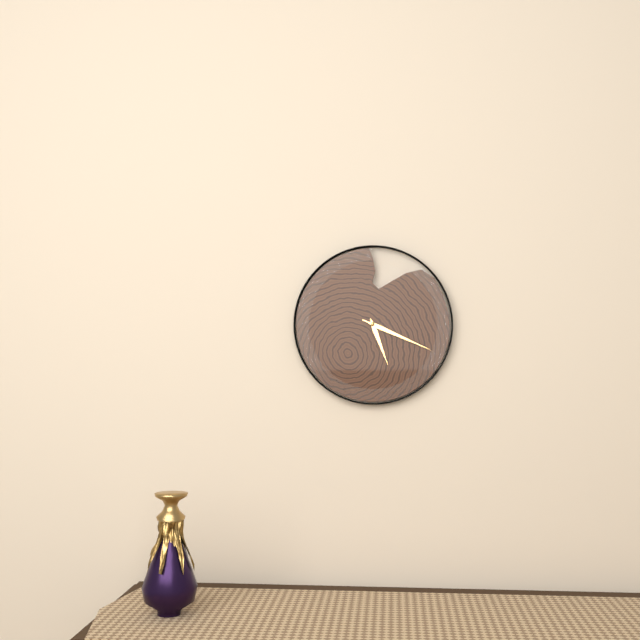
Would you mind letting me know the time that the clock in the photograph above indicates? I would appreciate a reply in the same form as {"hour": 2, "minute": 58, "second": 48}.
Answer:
{"hour": 5, "minute": 19, "second": 19}
